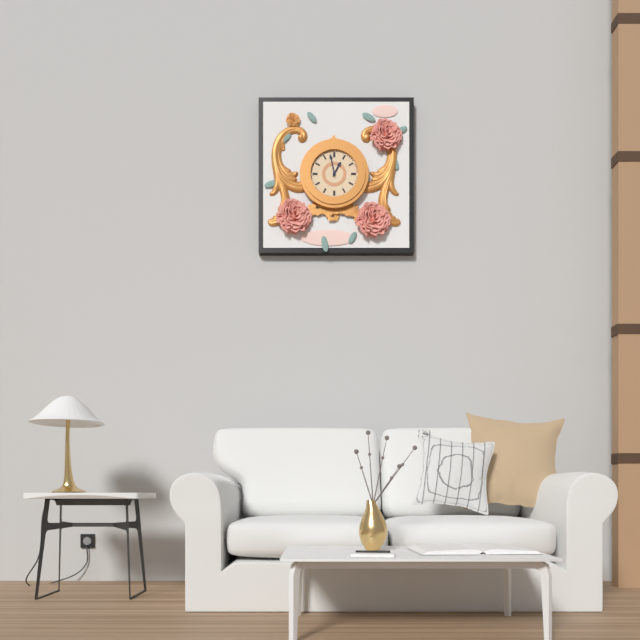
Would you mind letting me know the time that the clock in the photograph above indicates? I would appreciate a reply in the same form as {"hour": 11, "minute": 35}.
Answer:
{"hour": 12, "minute": 58}
